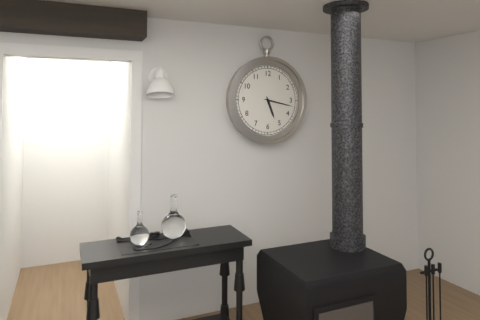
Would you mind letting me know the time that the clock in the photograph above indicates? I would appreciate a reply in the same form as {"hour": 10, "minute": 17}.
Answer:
{"hour": 5, "minute": 17}
